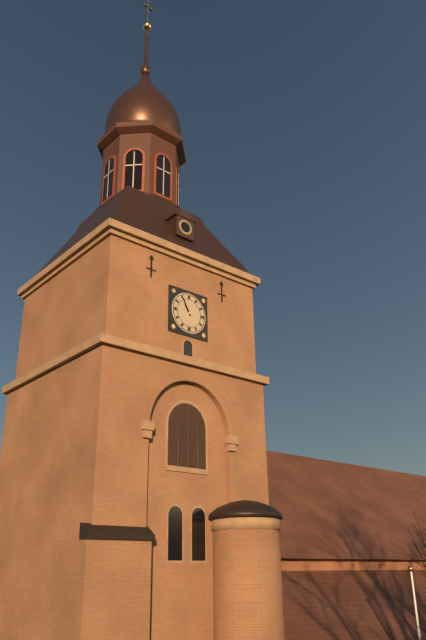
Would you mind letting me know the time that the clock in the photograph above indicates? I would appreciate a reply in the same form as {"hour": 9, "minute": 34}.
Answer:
{"hour": 10, "minute": 55}
